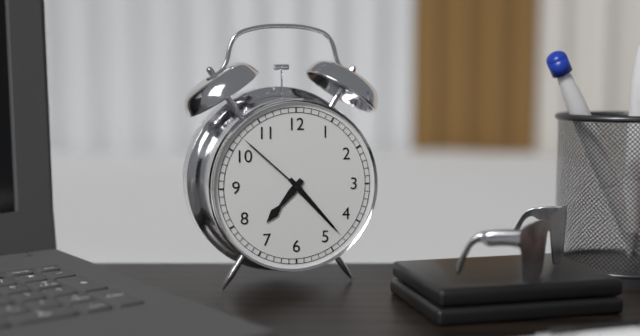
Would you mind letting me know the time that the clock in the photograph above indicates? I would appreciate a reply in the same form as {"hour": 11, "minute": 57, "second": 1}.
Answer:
{"hour": 7, "minute": 23, "second": 52}
